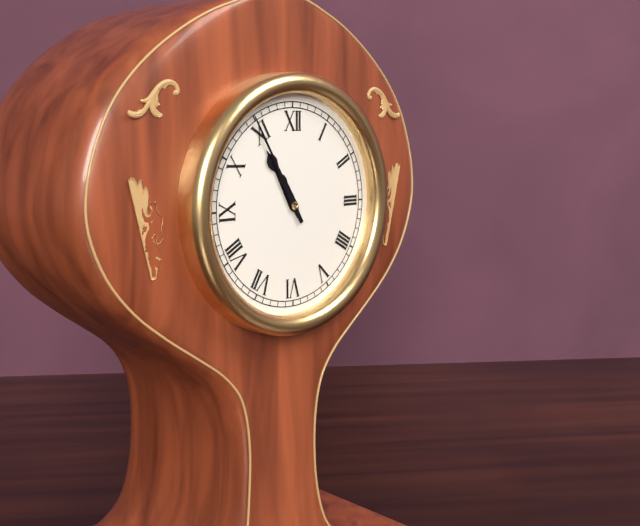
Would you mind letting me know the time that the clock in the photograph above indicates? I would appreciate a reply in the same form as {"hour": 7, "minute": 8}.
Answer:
{"hour": 10, "minute": 55}
